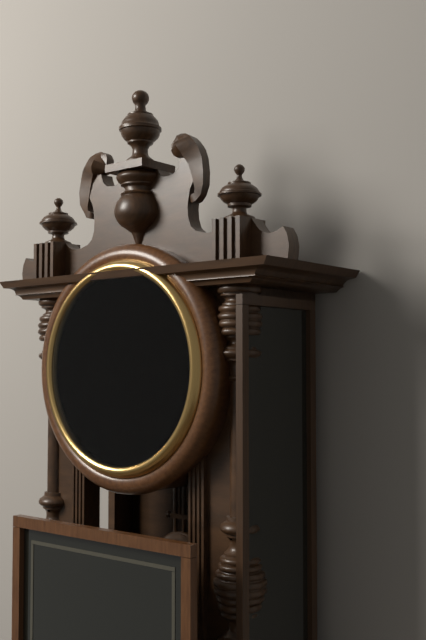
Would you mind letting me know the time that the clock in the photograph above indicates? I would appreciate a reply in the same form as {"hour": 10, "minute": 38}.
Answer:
{"hour": 3, "minute": 54}
